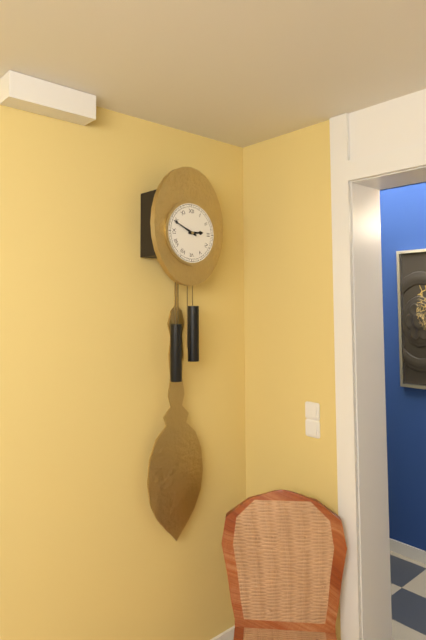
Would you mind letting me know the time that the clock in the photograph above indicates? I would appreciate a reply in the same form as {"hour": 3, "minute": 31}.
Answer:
{"hour": 2, "minute": 49}
